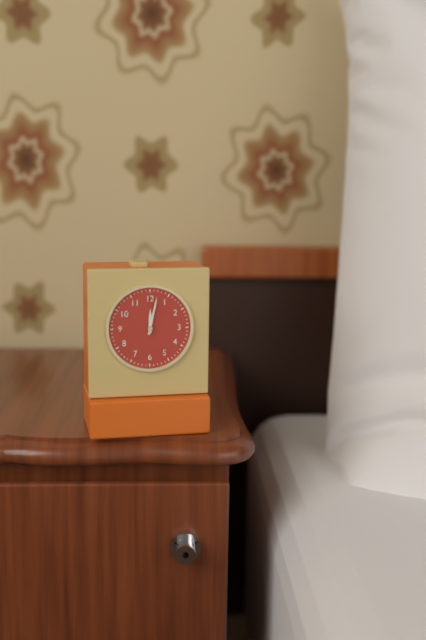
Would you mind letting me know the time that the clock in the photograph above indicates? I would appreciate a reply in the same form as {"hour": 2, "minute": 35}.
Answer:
{"hour": 12, "minute": 2}
